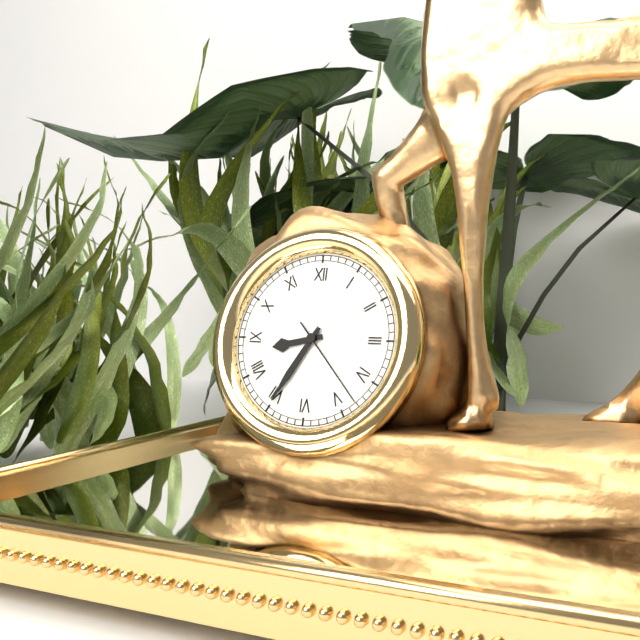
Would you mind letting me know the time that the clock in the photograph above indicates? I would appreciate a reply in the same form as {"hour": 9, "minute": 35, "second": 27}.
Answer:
{"hour": 8, "minute": 35, "second": 23}
